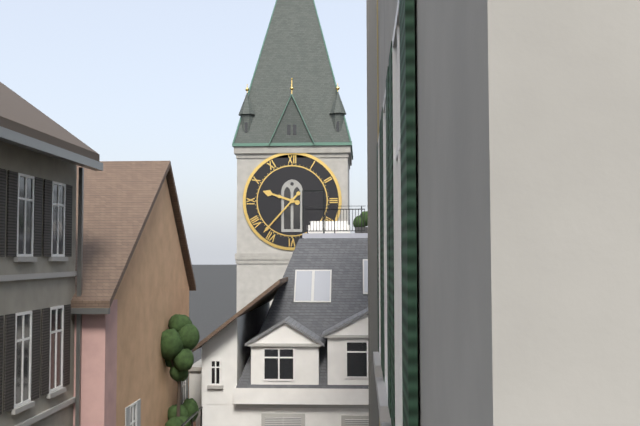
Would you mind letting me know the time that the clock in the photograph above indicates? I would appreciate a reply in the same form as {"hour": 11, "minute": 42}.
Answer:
{"hour": 9, "minute": 37}
